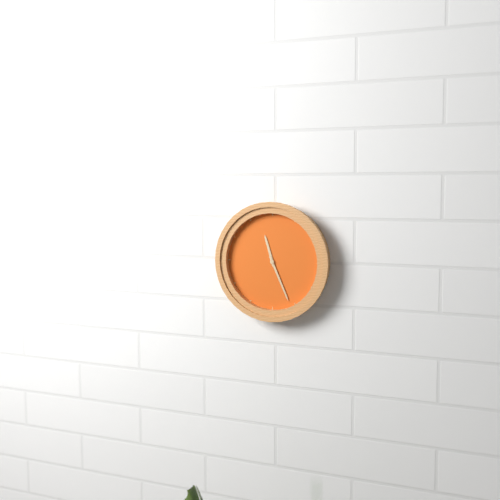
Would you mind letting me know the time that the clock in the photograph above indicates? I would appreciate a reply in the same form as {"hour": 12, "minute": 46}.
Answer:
{"hour": 11, "minute": 26}
